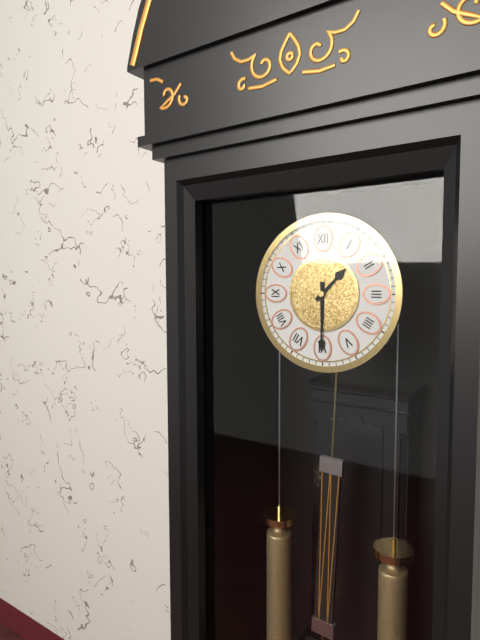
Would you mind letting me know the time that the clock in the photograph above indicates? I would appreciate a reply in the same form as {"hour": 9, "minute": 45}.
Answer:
{"hour": 1, "minute": 30}
